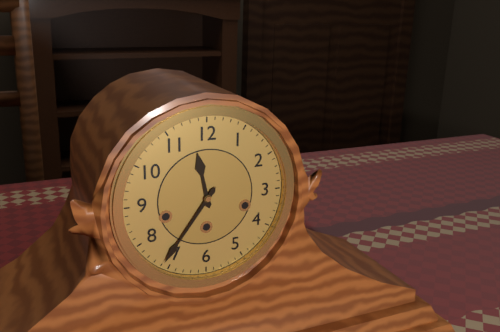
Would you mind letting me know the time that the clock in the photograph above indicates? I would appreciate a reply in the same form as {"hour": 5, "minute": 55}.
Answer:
{"hour": 11, "minute": 36}
